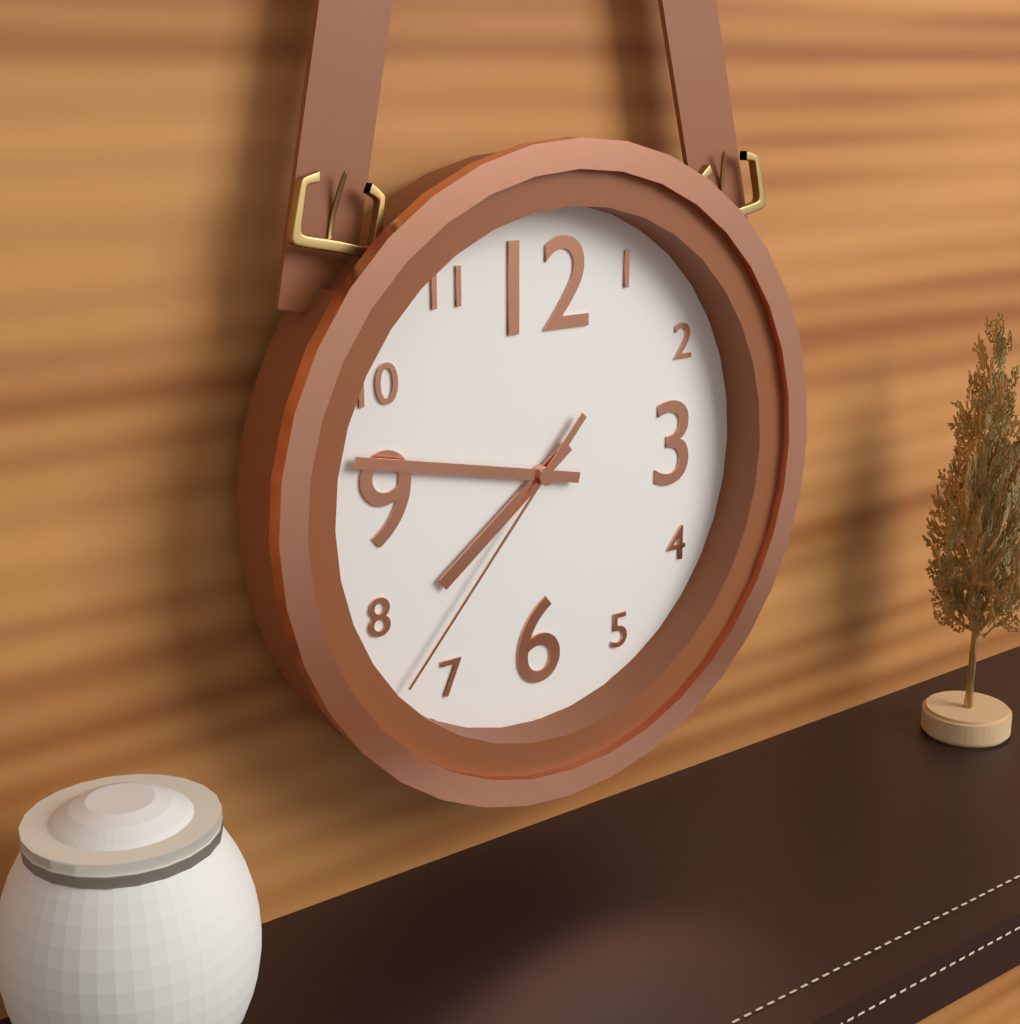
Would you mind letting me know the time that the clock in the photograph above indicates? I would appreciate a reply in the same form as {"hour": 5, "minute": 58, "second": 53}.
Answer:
{"hour": 7, "minute": 47, "second": 37}
